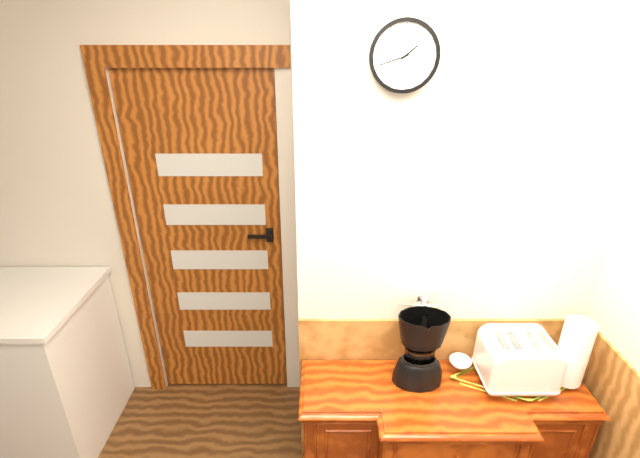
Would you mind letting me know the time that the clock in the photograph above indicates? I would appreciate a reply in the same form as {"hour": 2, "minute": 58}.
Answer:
{"hour": 1, "minute": 42}
